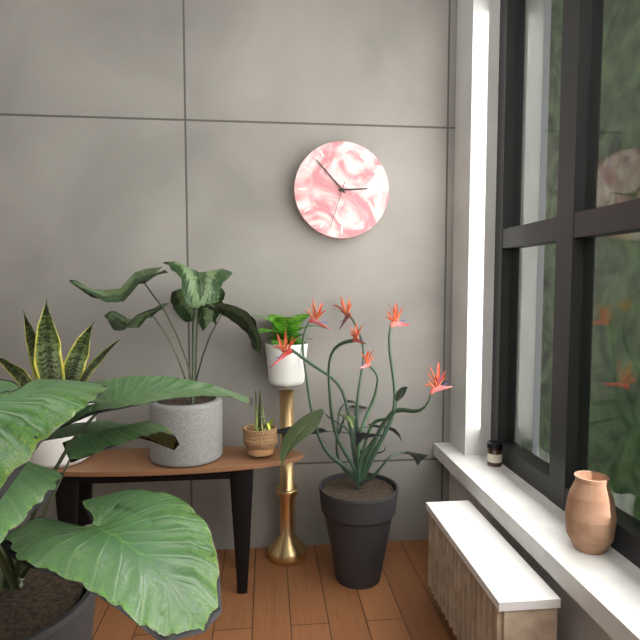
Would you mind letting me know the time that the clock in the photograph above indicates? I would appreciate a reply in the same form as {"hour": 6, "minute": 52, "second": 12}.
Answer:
{"hour": 2, "minute": 53, "second": 33}
